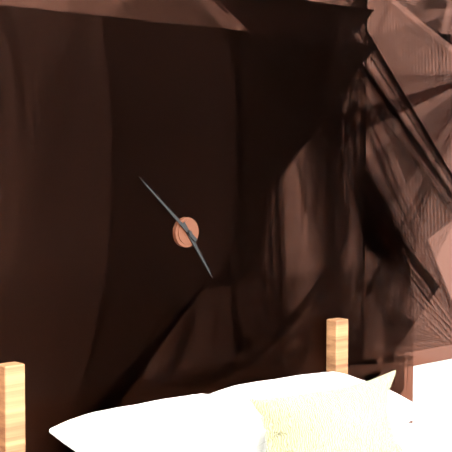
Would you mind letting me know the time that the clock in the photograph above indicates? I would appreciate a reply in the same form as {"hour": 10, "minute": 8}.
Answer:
{"hour": 4, "minute": 52}
